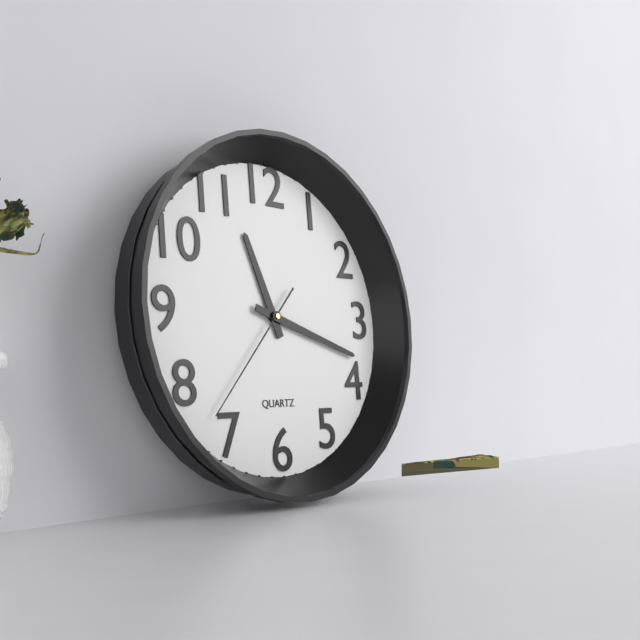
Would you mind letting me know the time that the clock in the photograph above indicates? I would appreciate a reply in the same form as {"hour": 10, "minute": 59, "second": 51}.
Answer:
{"hour": 11, "minute": 18, "second": 37}
